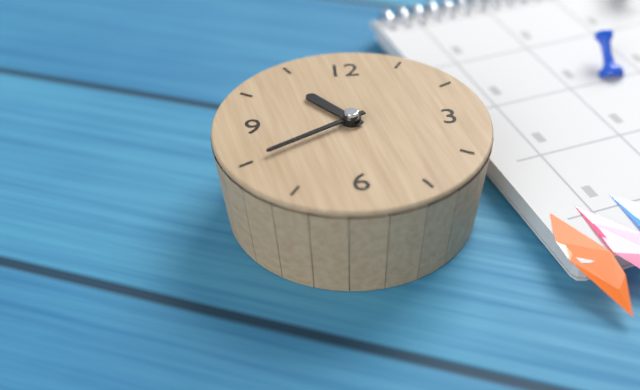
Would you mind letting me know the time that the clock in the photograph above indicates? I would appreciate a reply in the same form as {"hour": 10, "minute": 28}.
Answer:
{"hour": 10, "minute": 40}
